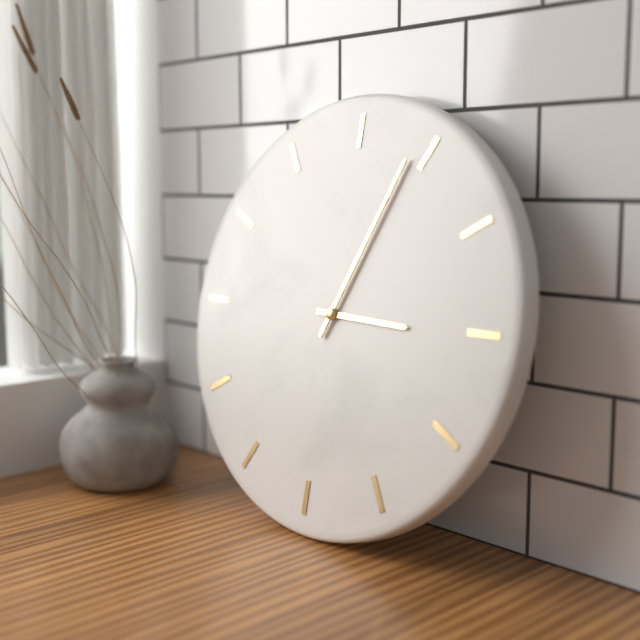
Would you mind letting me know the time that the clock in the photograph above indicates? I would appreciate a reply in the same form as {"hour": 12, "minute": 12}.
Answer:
{"hour": 3, "minute": 4}
